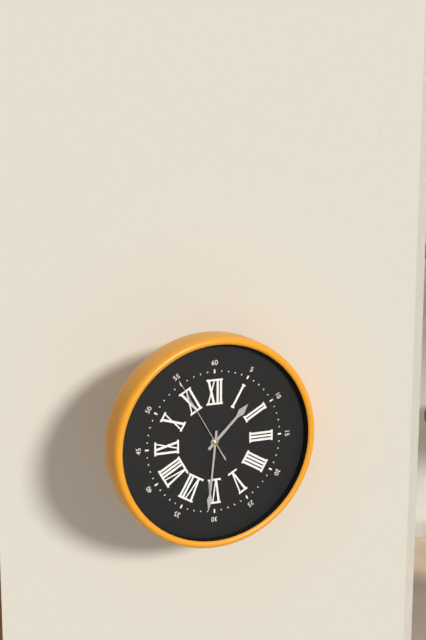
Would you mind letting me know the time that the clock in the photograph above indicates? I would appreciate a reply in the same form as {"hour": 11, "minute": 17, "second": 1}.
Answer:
{"hour": 1, "minute": 31, "second": 55}
